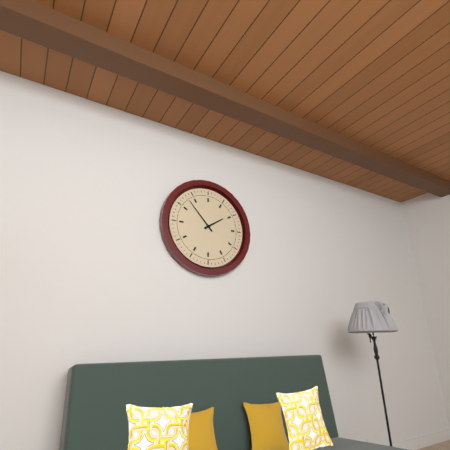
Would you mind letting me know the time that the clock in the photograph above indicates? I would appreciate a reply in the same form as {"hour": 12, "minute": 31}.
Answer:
{"hour": 1, "minute": 53}
